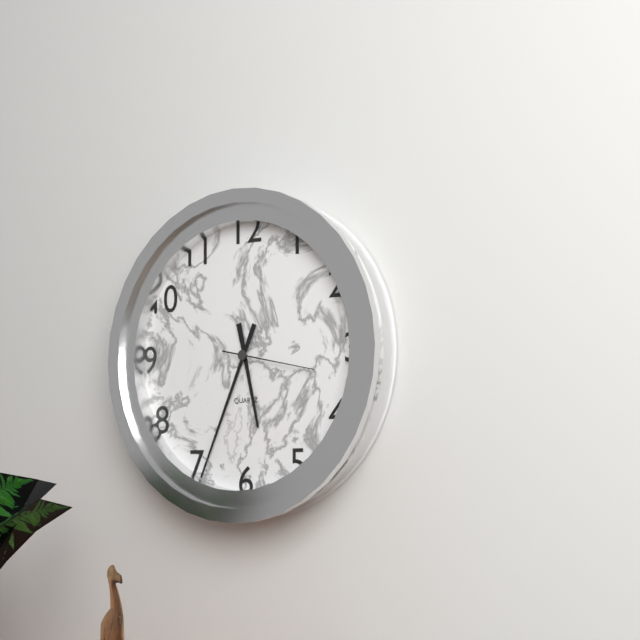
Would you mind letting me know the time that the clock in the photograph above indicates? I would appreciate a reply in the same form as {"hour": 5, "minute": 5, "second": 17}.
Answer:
{"hour": 5, "minute": 34, "second": 17}
